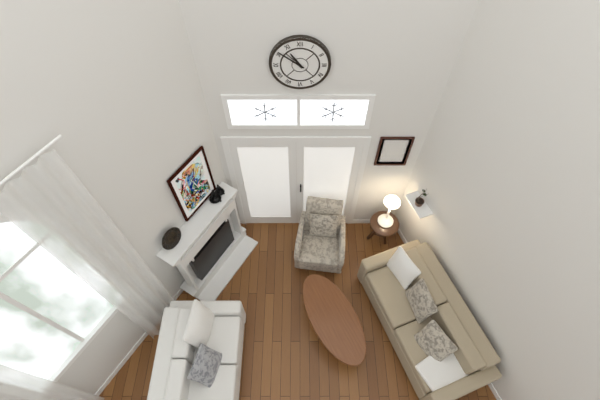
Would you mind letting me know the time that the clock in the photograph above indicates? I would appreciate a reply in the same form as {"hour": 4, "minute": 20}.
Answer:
{"hour": 10, "minute": 51}
